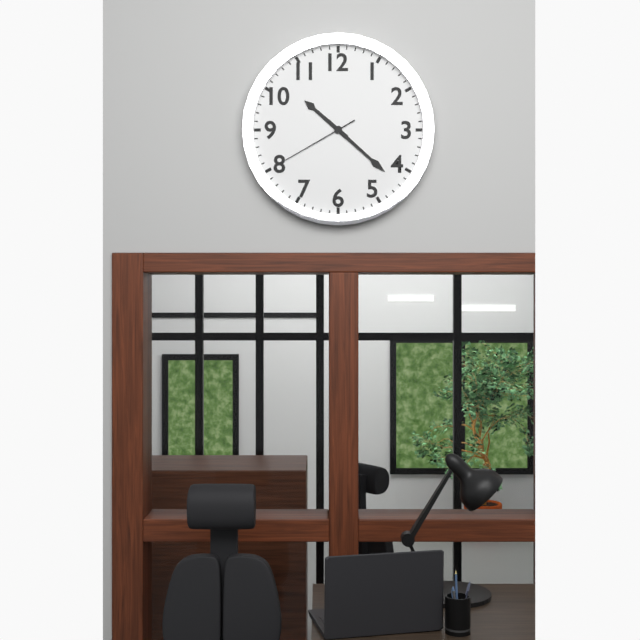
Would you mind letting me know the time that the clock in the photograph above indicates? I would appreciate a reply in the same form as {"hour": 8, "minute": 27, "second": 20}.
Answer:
{"hour": 10, "minute": 22, "second": 40}
